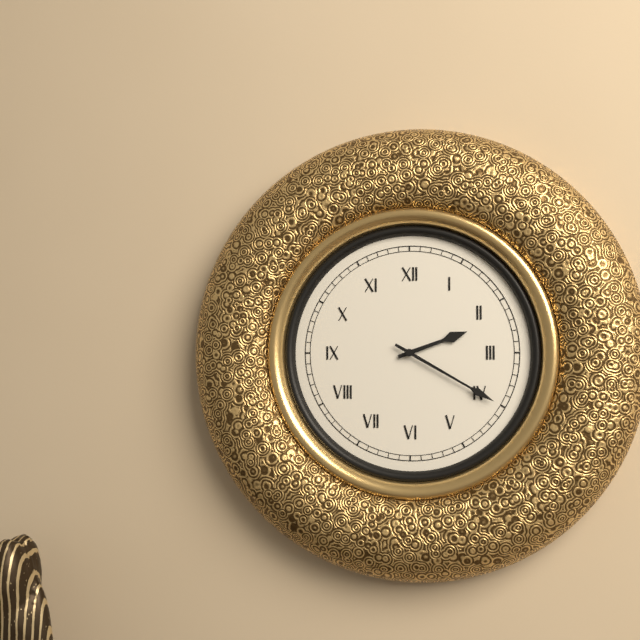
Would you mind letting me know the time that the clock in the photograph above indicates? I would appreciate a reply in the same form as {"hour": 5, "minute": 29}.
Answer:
{"hour": 2, "minute": 20}
